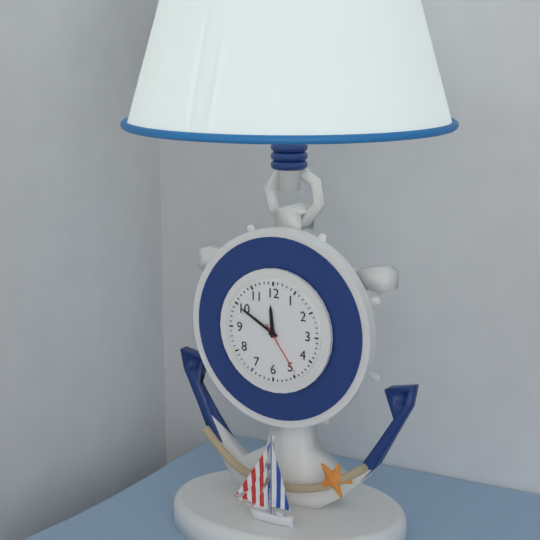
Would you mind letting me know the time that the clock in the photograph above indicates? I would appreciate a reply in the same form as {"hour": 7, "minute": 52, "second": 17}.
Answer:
{"hour": 11, "minute": 50, "second": 24}
